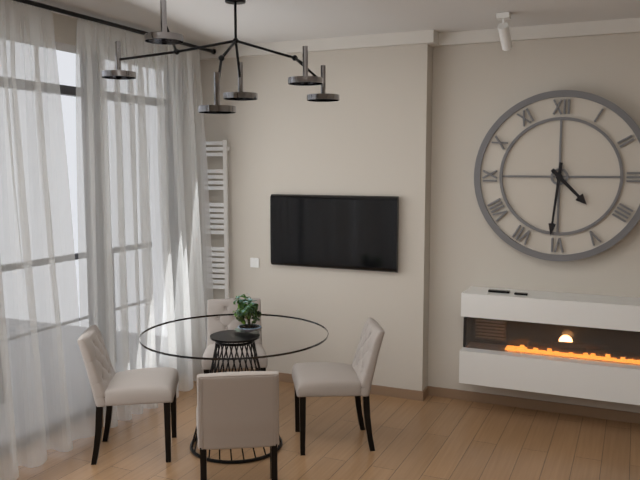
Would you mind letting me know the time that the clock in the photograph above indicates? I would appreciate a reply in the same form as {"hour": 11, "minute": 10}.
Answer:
{"hour": 4, "minute": 31}
